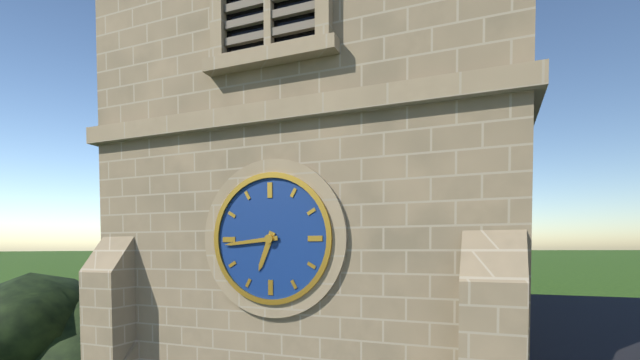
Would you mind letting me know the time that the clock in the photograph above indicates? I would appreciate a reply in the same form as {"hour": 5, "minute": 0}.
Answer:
{"hour": 6, "minute": 44}
